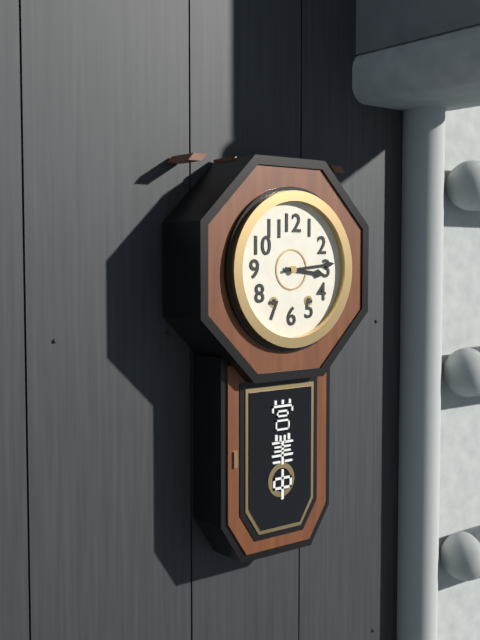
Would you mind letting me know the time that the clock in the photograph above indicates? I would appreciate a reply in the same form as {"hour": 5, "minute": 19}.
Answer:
{"hour": 3, "minute": 14}
